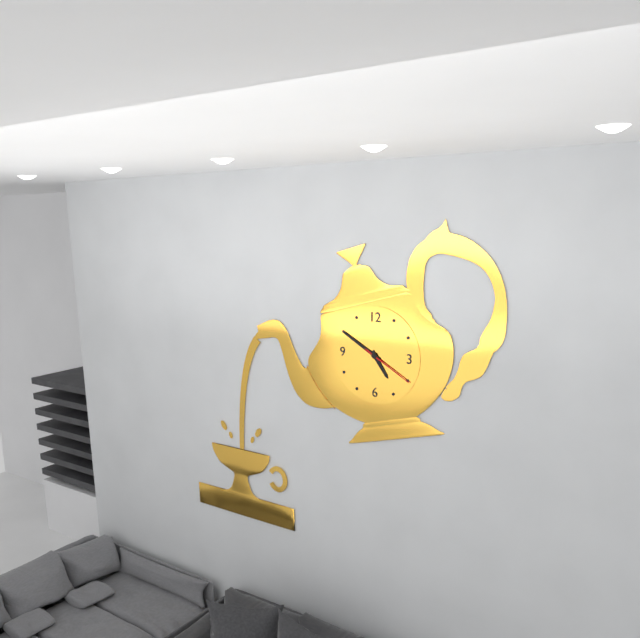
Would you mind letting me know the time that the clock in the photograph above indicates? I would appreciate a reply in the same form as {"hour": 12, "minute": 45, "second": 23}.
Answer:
{"hour": 4, "minute": 50, "second": 20}
